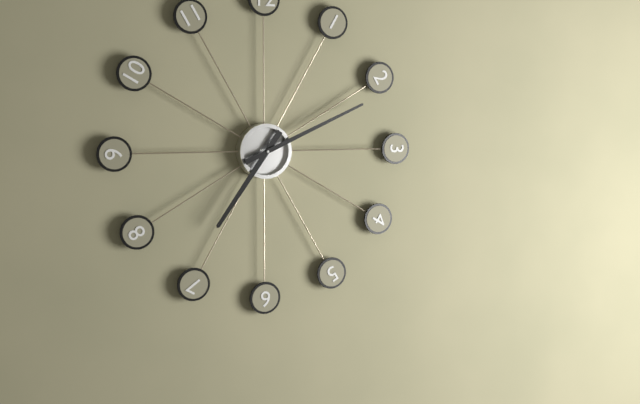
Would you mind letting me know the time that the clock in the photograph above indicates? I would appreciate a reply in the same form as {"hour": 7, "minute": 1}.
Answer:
{"hour": 7, "minute": 11}
